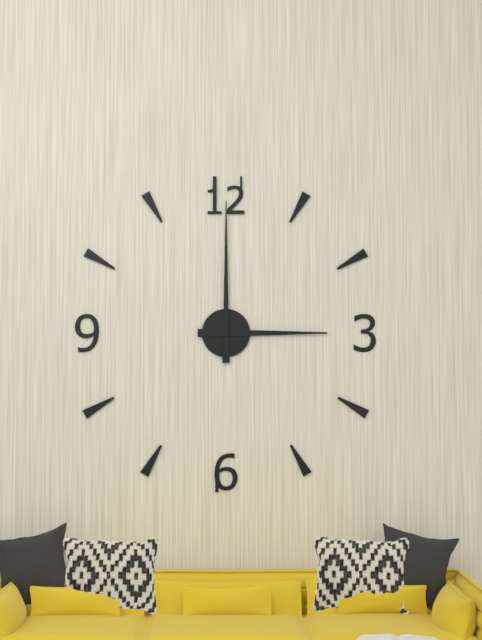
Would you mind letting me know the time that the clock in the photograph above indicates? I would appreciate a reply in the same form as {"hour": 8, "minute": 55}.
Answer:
{"hour": 3, "minute": 0}
